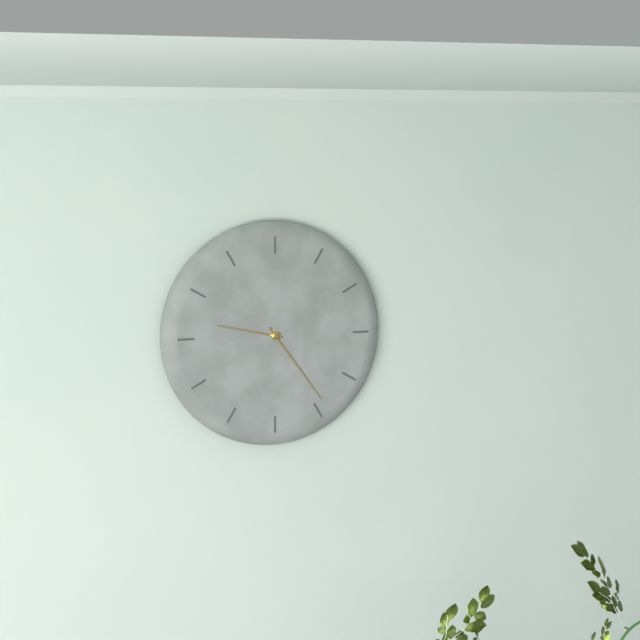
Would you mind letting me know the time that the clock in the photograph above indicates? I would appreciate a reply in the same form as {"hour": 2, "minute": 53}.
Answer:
{"hour": 9, "minute": 24}
